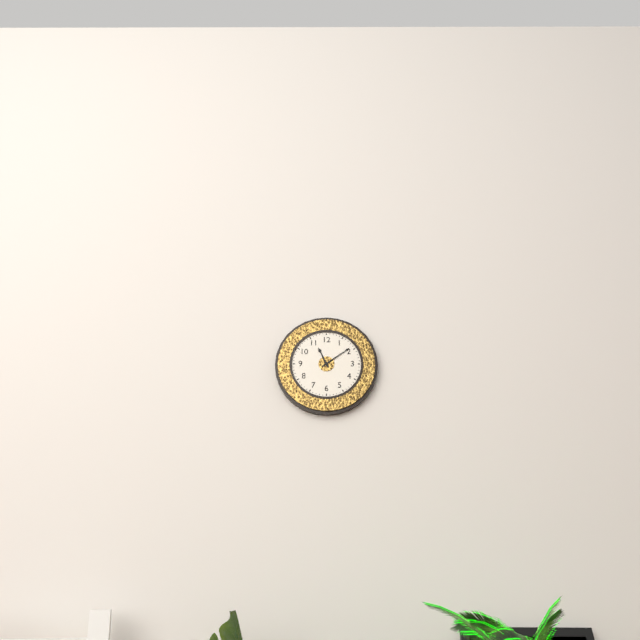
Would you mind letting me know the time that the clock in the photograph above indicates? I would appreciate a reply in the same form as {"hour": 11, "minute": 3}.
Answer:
{"hour": 11, "minute": 9}
